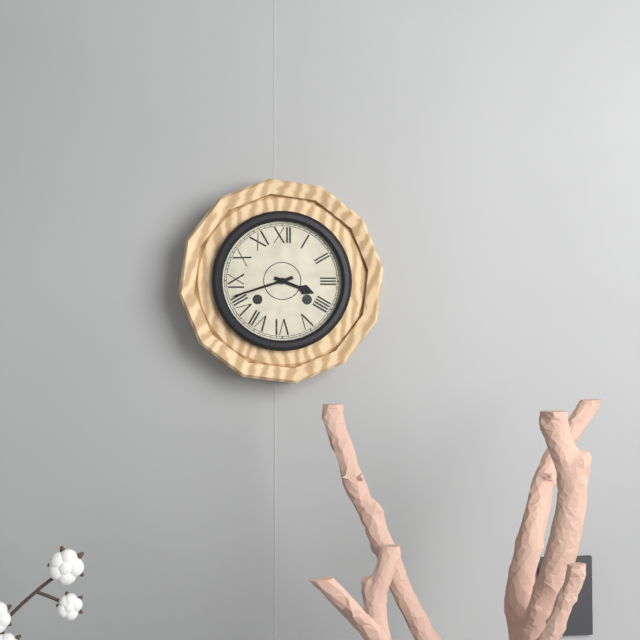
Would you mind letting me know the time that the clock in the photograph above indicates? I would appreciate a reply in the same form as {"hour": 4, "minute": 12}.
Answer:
{"hour": 3, "minute": 42}
